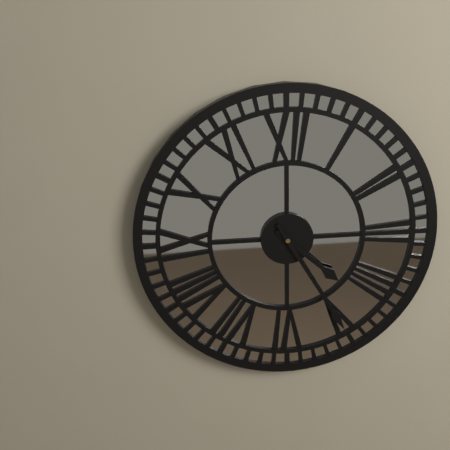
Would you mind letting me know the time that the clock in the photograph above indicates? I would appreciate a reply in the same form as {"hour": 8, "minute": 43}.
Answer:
{"hour": 4, "minute": 25}
